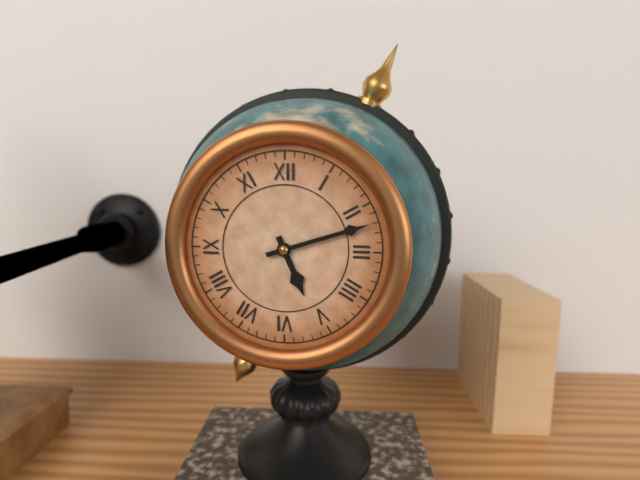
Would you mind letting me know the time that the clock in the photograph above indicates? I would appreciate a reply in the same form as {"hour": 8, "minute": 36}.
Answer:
{"hour": 5, "minute": 12}
